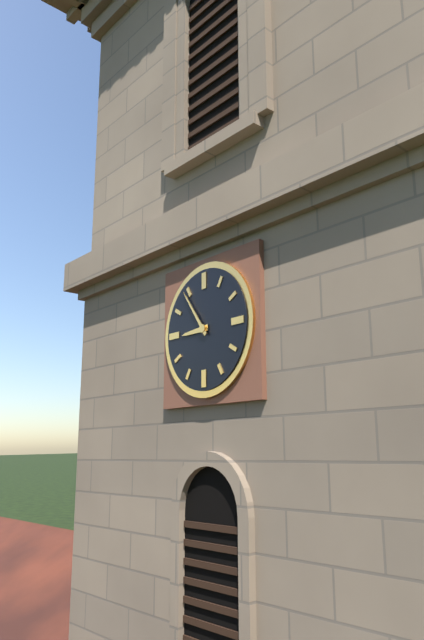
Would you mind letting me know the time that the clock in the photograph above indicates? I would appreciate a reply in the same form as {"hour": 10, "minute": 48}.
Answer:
{"hour": 8, "minute": 54}
